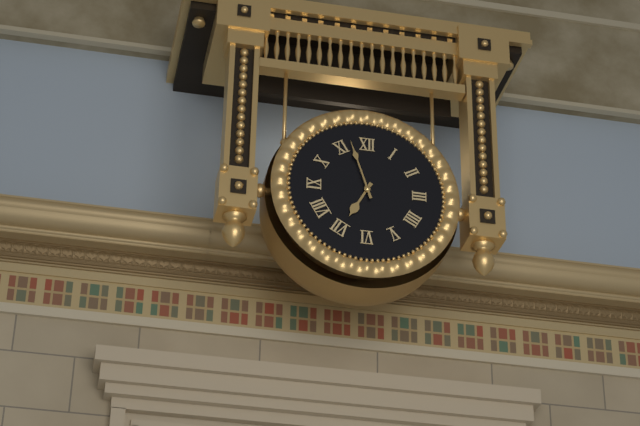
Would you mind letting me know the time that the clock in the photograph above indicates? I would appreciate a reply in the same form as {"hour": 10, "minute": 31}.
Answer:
{"hour": 6, "minute": 57}
